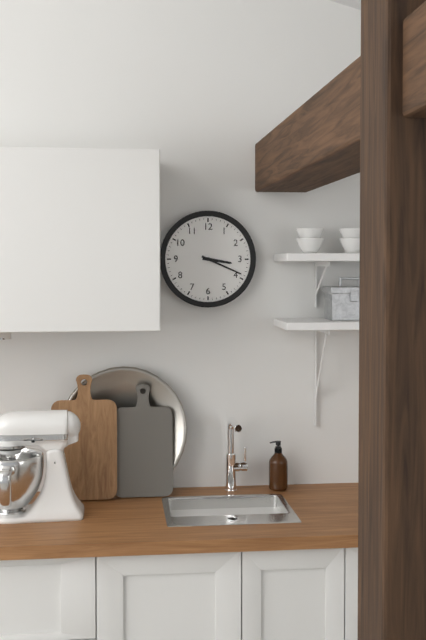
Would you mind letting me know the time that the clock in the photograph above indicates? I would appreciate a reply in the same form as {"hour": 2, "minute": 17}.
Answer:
{"hour": 3, "minute": 19}
